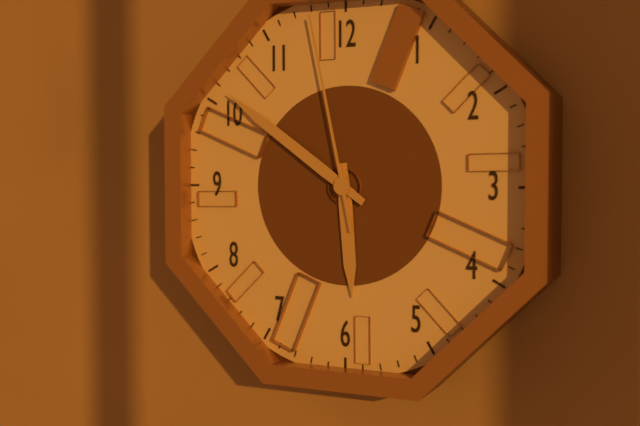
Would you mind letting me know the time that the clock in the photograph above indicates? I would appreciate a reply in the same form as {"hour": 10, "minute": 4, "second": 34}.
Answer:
{"hour": 5, "minute": 51, "second": 58}
